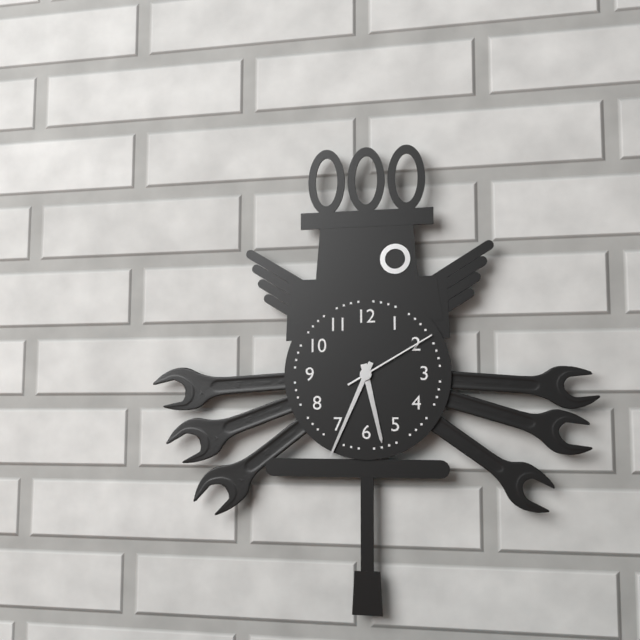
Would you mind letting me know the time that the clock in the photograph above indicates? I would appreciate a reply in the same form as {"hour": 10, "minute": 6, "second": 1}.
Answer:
{"hour": 5, "minute": 34, "second": 10}
